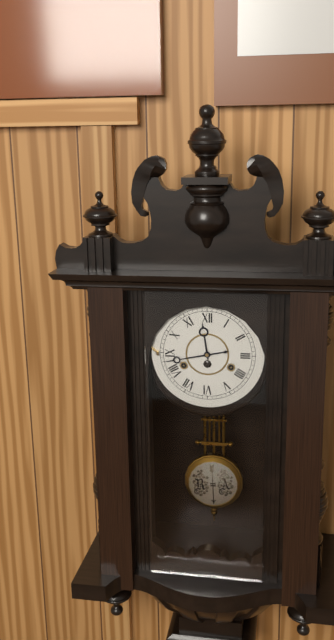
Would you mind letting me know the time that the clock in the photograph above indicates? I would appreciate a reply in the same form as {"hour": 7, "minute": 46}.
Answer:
{"hour": 11, "minute": 43}
